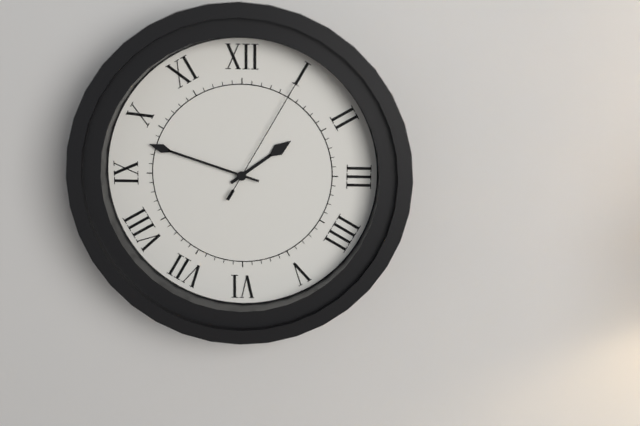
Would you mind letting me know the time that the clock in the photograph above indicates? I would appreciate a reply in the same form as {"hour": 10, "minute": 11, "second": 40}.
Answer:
{"hour": 1, "minute": 48, "second": 5}
